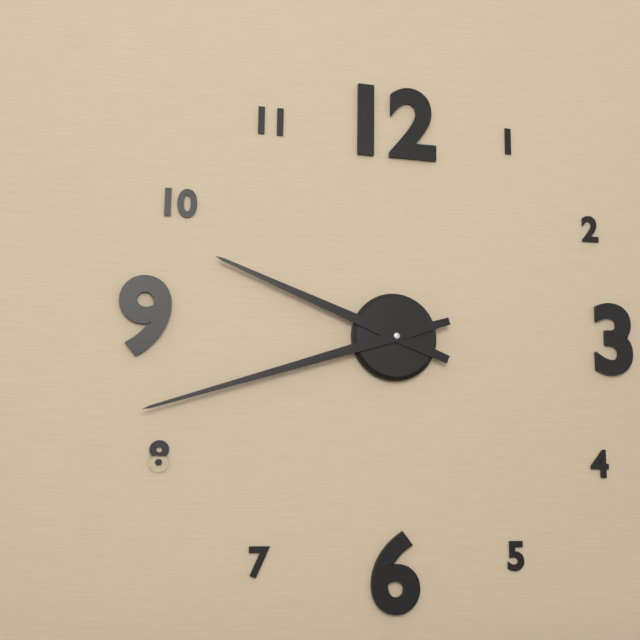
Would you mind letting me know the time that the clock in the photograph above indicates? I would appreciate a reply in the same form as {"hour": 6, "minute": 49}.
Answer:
{"hour": 9, "minute": 42}
